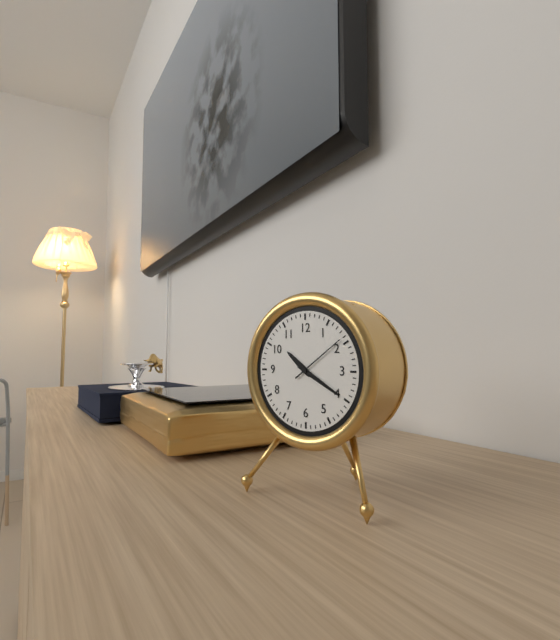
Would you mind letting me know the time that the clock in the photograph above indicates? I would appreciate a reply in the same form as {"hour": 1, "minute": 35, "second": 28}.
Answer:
{"hour": 10, "minute": 20, "second": 9}
